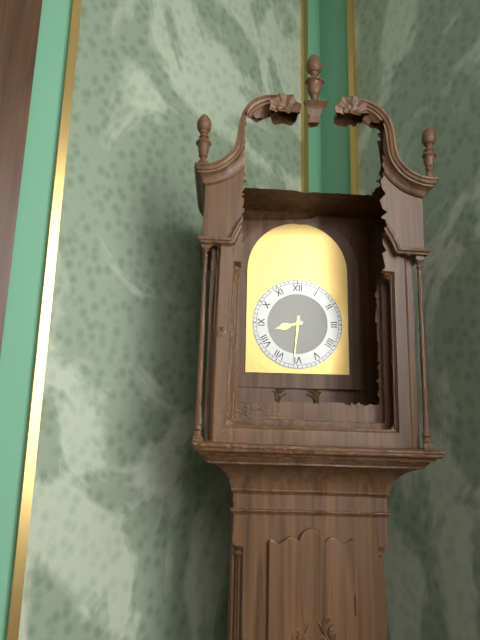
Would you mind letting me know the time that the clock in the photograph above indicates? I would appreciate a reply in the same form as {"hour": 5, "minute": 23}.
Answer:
{"hour": 8, "minute": 31}
